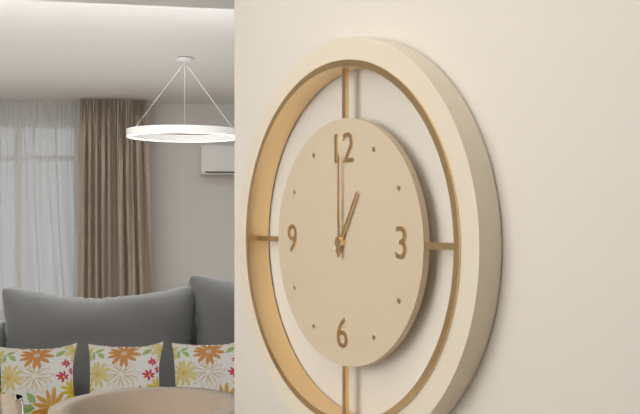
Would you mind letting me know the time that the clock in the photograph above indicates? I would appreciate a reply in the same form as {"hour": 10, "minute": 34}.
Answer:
{"hour": 1, "minute": 0}
